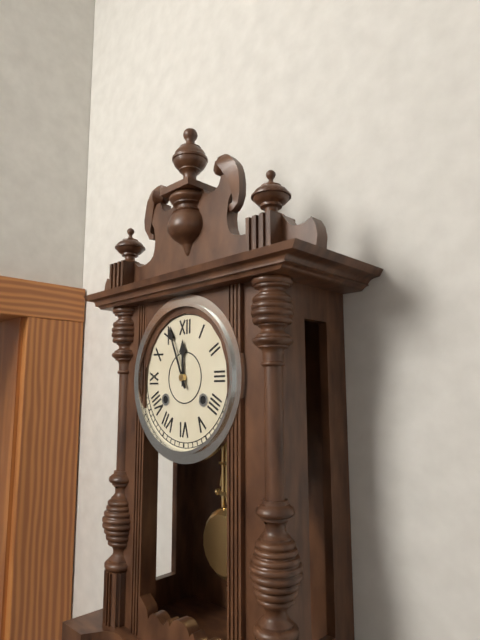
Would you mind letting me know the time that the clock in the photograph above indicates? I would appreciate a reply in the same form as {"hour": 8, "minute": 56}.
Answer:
{"hour": 11, "minute": 56}
